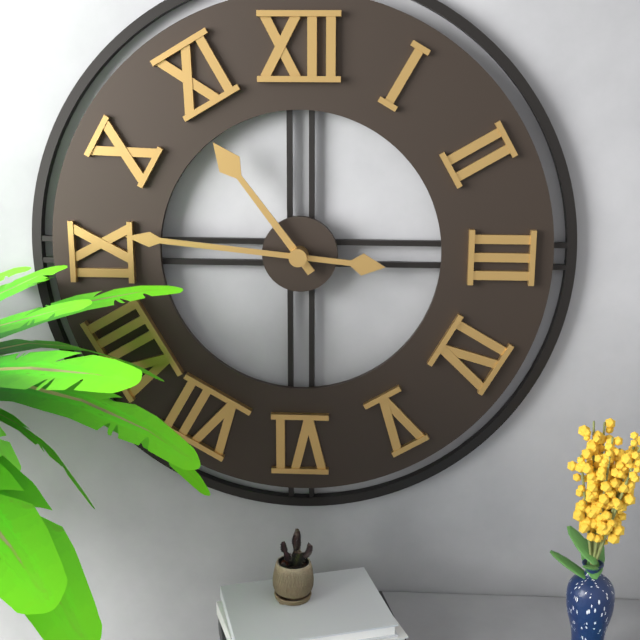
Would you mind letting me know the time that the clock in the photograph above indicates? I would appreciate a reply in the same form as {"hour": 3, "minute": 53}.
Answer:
{"hour": 10, "minute": 46}
